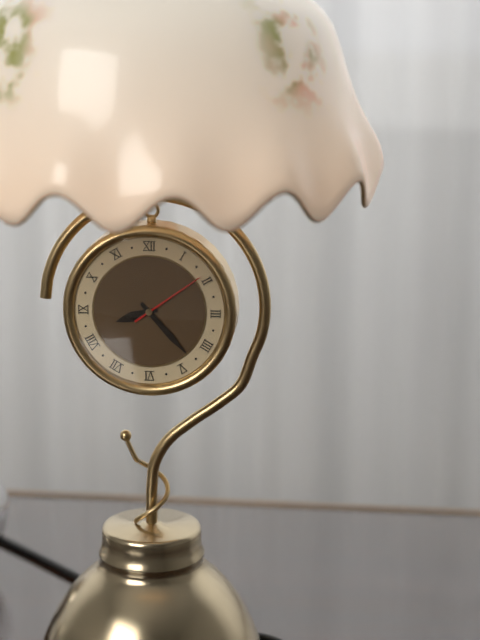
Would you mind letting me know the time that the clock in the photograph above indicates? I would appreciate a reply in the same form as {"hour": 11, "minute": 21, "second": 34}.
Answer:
{"hour": 8, "minute": 23, "second": 9}
